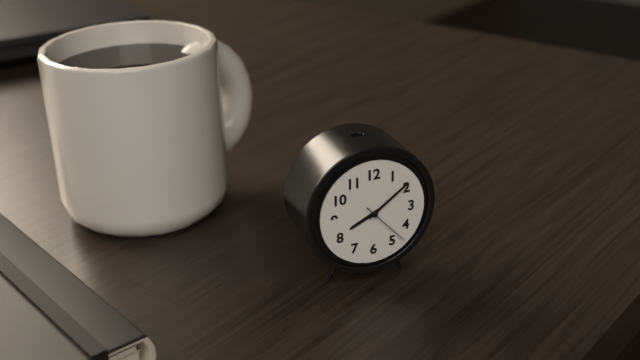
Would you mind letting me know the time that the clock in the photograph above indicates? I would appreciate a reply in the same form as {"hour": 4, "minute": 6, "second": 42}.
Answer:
{"hour": 8, "minute": 9, "second": 23}
